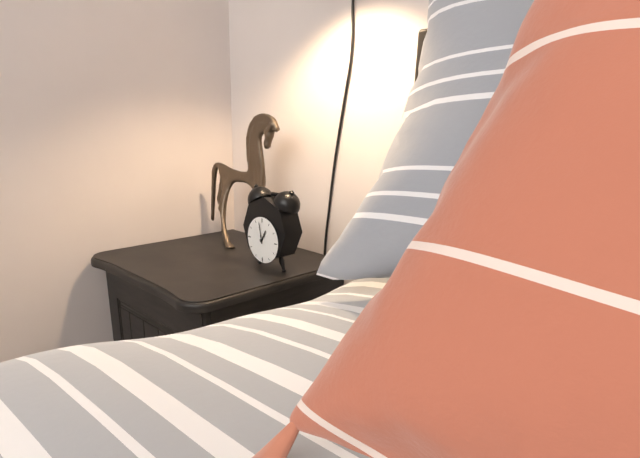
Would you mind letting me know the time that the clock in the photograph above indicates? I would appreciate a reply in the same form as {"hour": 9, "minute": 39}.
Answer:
{"hour": 12, "minute": 58}
